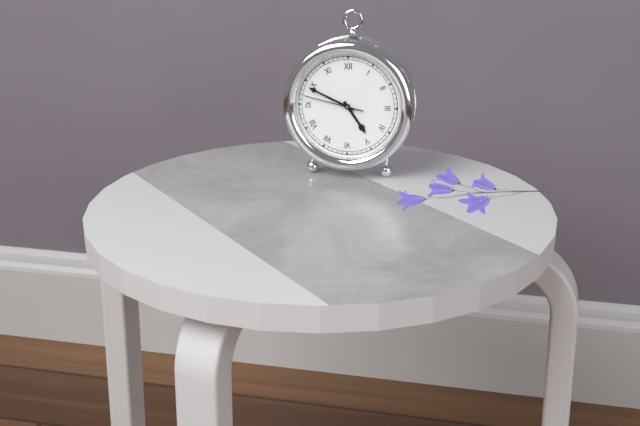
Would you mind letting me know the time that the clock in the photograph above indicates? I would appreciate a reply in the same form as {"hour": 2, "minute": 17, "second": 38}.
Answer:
{"hour": 4, "minute": 49, "second": 47}
